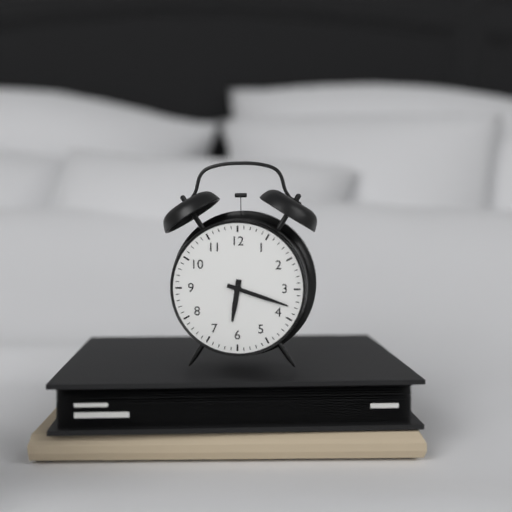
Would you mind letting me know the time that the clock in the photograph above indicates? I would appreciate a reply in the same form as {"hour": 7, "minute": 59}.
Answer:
{"hour": 6, "minute": 18}
